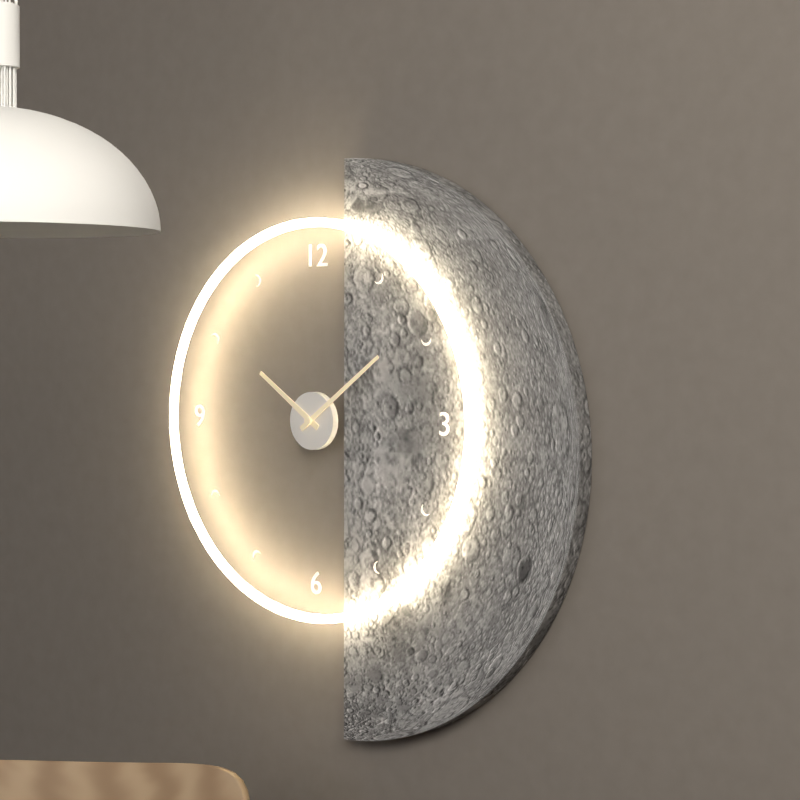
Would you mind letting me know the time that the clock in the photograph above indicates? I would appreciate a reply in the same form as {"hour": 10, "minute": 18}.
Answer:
{"hour": 10, "minute": 9}
